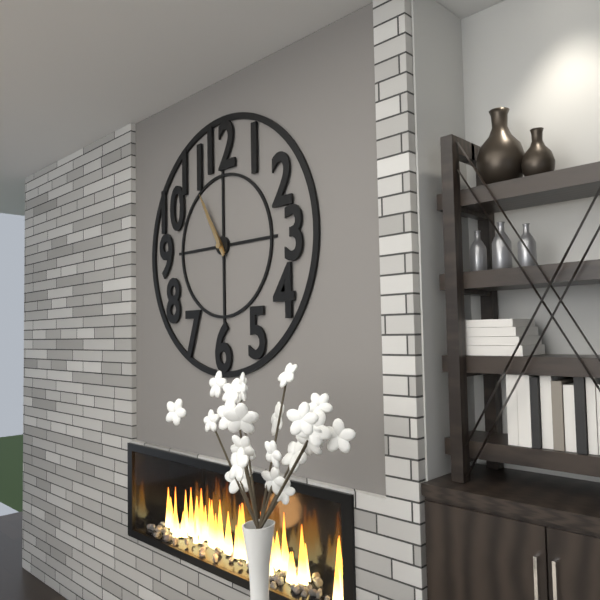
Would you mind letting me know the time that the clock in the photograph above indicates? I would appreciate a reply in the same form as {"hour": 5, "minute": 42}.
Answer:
{"hour": 10, "minute": 55}
